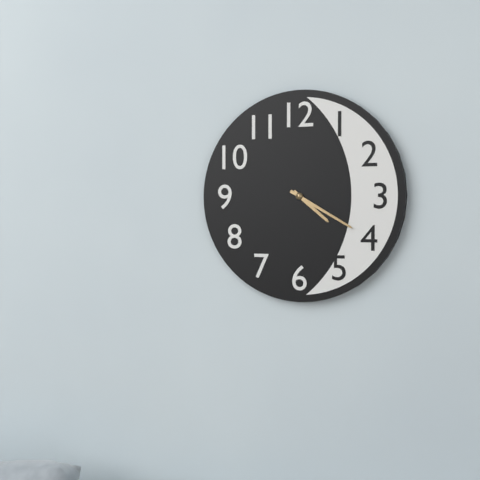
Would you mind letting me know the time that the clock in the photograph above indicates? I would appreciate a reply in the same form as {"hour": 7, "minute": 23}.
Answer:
{"hour": 4, "minute": 20}
